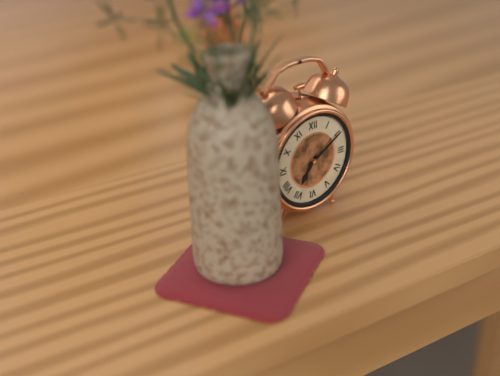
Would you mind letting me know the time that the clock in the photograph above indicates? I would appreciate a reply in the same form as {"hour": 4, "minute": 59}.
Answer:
{"hour": 7, "minute": 10}
